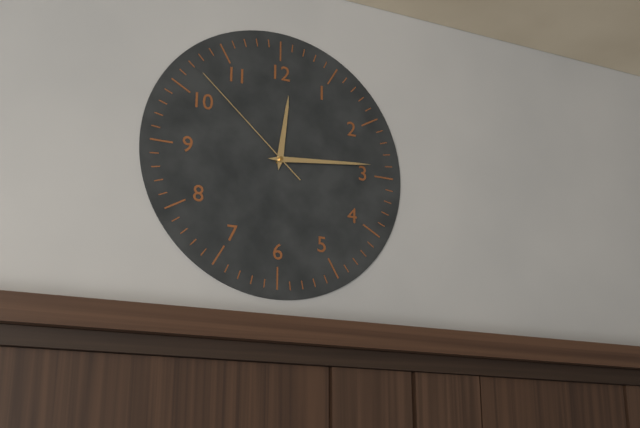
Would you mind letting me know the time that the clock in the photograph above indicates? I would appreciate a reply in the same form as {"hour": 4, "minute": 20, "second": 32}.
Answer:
{"hour": 12, "minute": 14, "second": 52}
